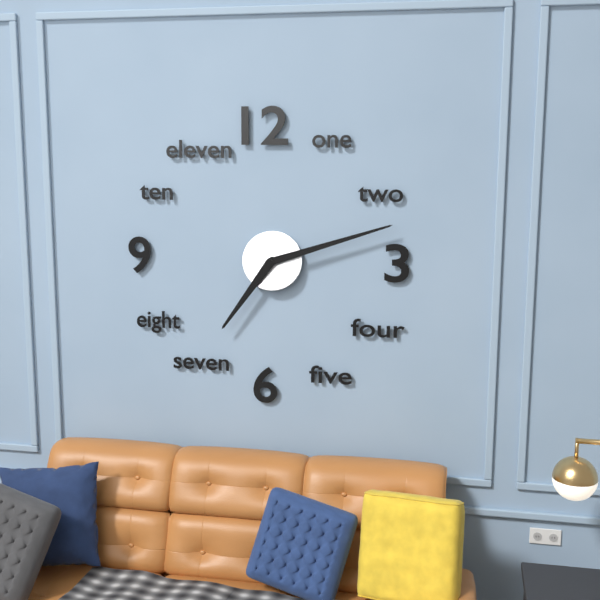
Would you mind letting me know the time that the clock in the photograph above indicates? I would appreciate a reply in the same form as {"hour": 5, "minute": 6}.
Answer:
{"hour": 7, "minute": 12}
